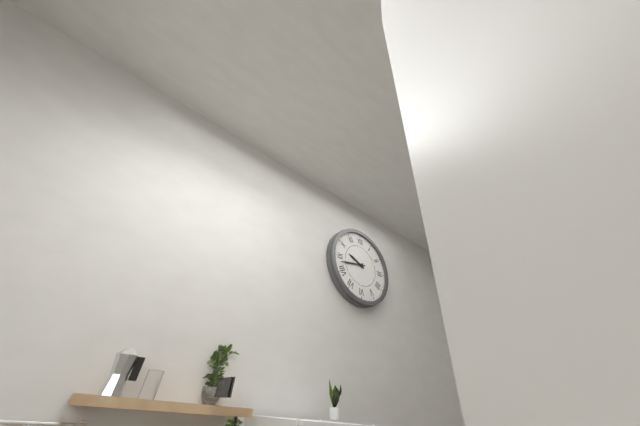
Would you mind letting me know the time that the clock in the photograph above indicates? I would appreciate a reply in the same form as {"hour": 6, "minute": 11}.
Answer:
{"hour": 9, "minute": 43}
